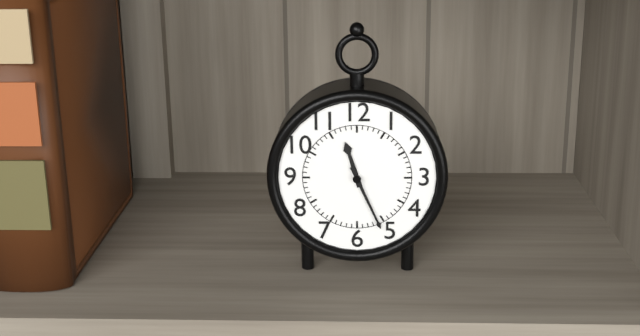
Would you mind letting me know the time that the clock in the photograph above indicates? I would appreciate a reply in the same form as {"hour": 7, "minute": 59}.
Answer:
{"hour": 11, "minute": 26}
